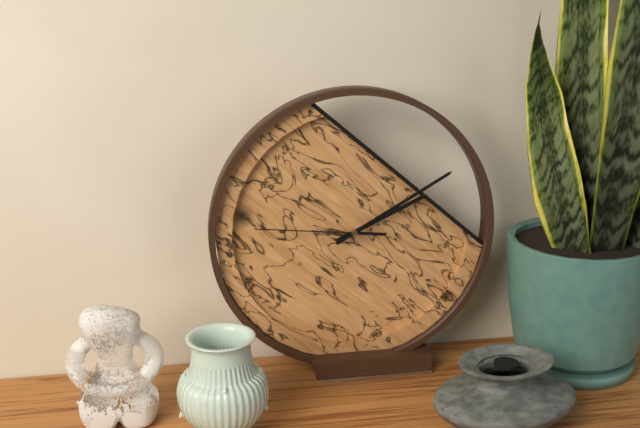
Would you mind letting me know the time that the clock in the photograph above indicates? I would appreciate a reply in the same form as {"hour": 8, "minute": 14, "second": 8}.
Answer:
{"hour": 2, "minute": 10, "second": 46}
